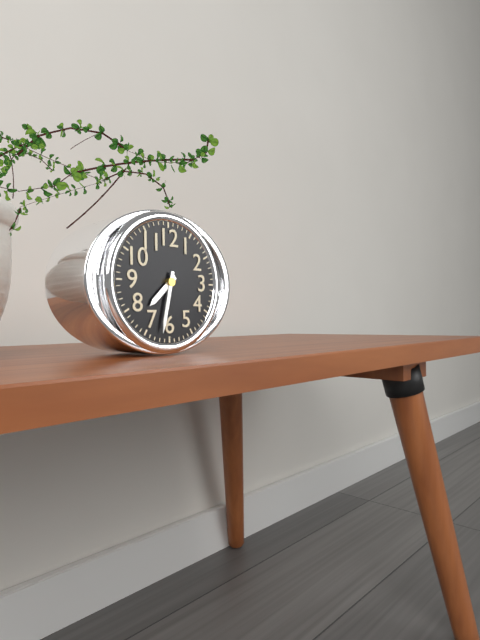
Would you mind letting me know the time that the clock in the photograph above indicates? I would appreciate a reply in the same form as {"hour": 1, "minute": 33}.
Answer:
{"hour": 7, "minute": 32}
